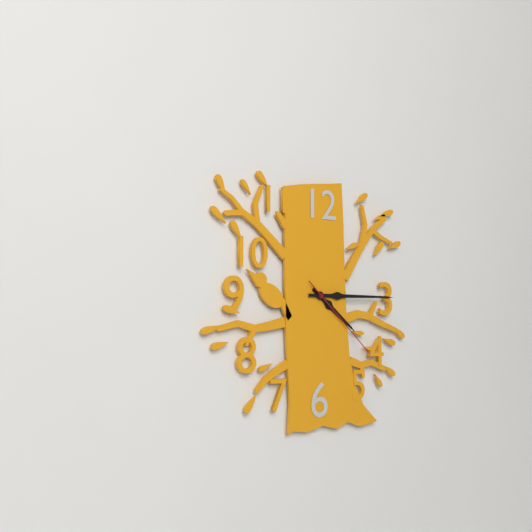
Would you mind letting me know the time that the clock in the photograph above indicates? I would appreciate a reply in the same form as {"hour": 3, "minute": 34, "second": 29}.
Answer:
{"hour": 4, "minute": 15, "second": 22}
